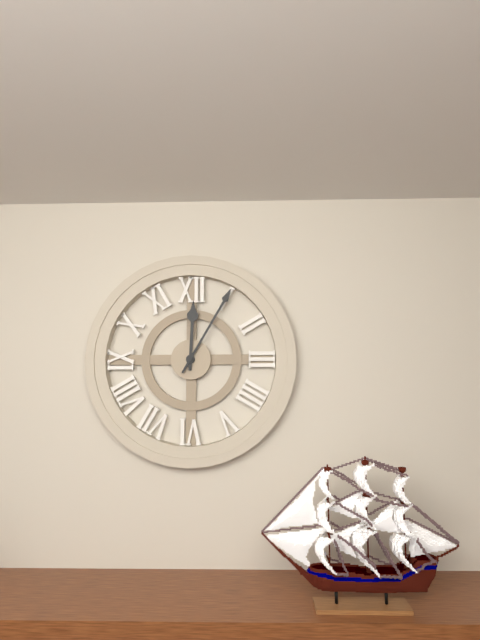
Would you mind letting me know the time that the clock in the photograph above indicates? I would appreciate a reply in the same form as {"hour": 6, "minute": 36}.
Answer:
{"hour": 12, "minute": 5}
